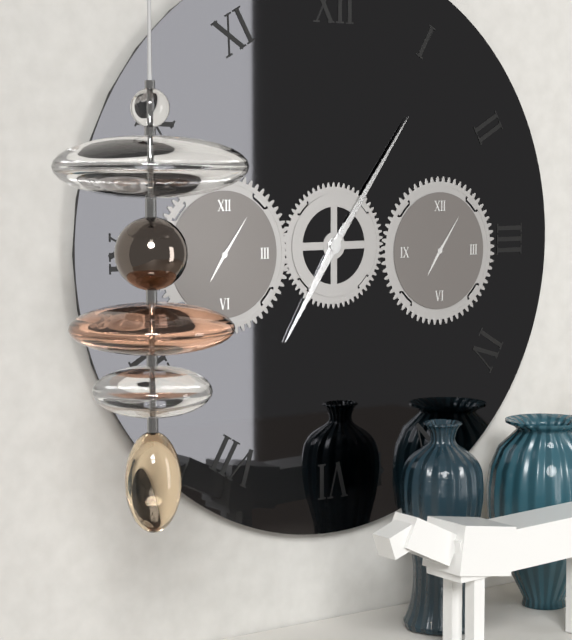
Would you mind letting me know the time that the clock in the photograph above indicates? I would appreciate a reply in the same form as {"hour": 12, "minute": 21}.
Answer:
{"hour": 7, "minute": 6}
